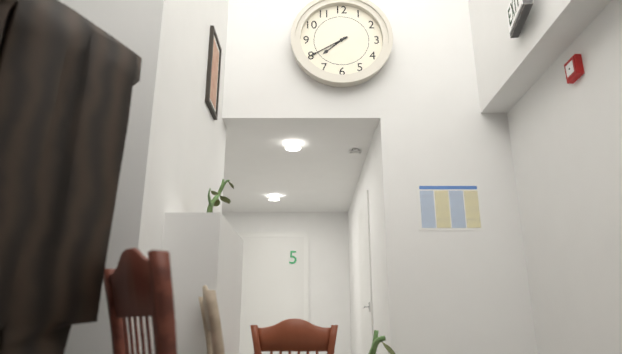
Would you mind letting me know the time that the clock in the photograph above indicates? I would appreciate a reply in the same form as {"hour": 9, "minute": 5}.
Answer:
{"hour": 7, "minute": 40}
